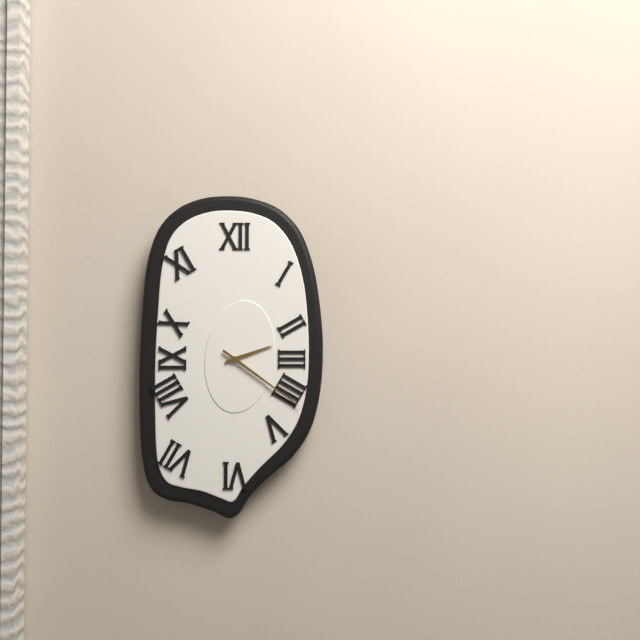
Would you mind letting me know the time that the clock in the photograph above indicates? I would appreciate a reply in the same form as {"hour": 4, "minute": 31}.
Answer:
{"hour": 2, "minute": 21}
